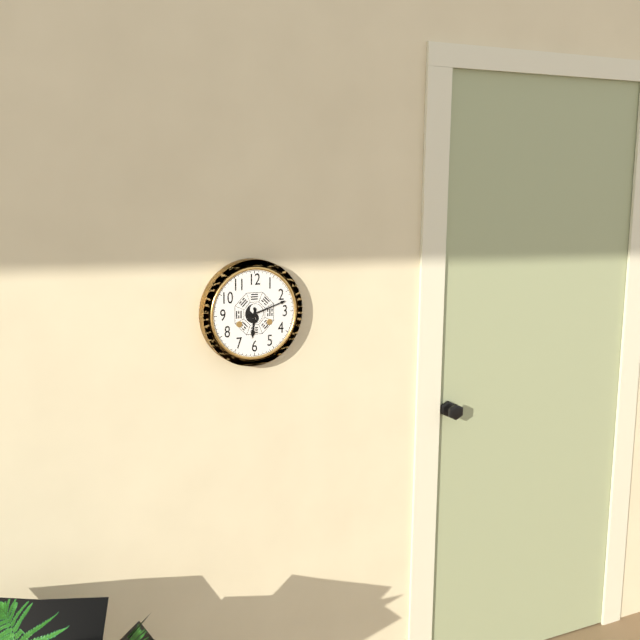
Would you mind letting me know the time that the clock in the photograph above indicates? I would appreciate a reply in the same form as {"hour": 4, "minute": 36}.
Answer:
{"hour": 6, "minute": 12}
